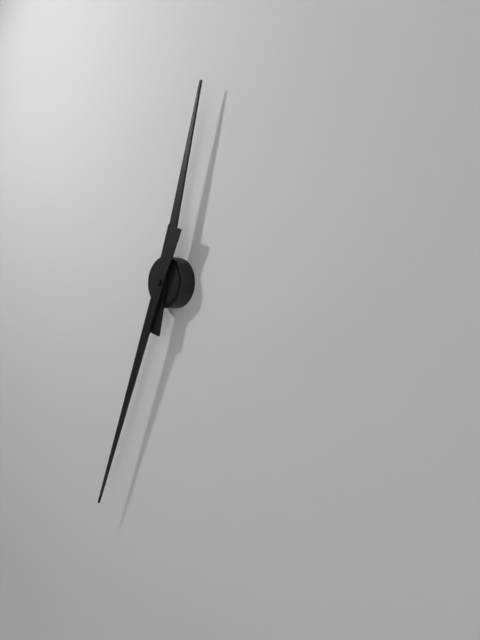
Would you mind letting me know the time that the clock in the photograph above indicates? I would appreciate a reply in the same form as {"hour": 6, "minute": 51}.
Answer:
{"hour": 12, "minute": 34}
